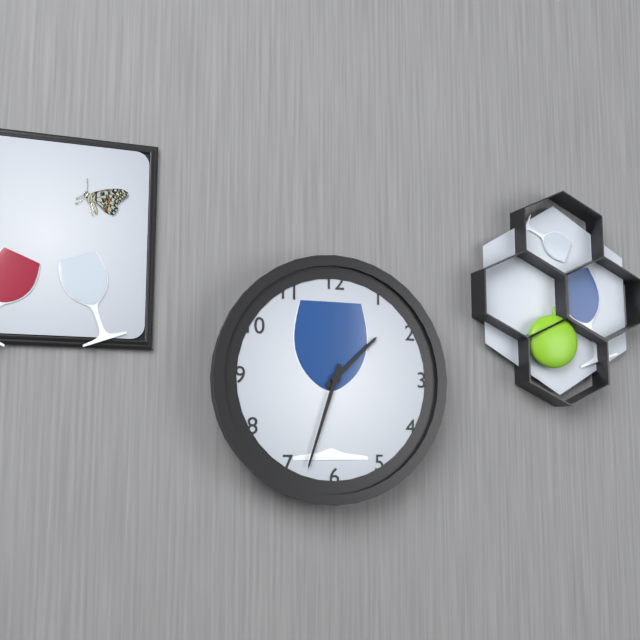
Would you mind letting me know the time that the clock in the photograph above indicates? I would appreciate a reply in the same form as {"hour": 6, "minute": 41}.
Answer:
{"hour": 1, "minute": 33}
